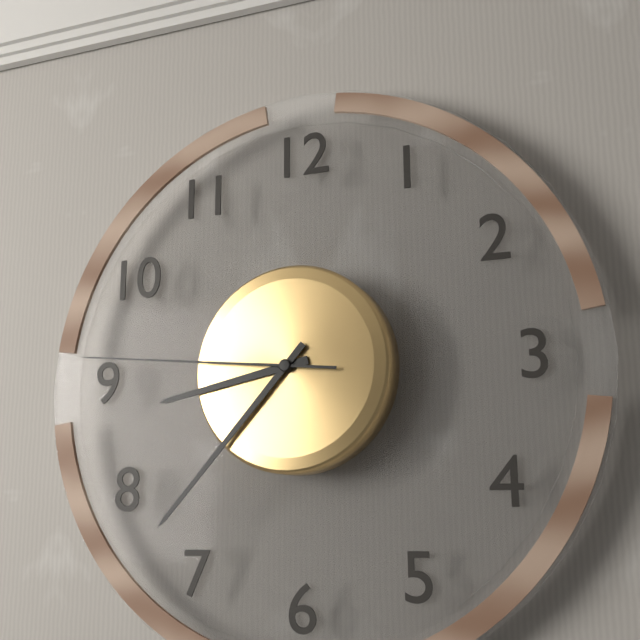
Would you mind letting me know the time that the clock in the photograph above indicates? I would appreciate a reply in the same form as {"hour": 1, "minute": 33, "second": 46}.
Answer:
{"hour": 8, "minute": 37, "second": 46}
